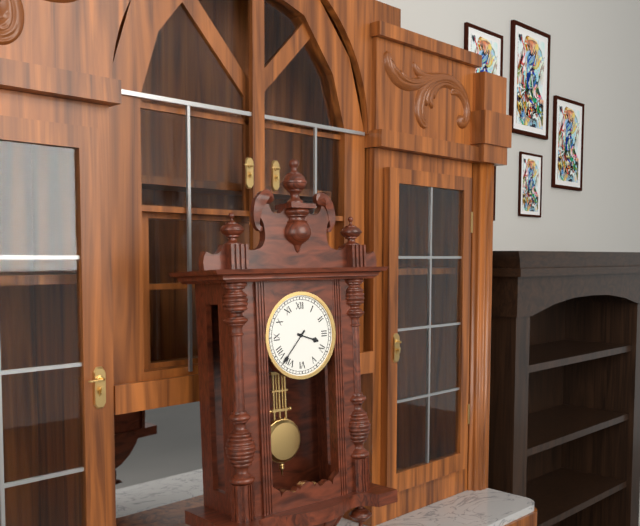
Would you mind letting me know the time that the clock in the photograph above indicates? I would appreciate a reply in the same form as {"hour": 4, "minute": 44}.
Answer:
{"hour": 3, "minute": 37}
